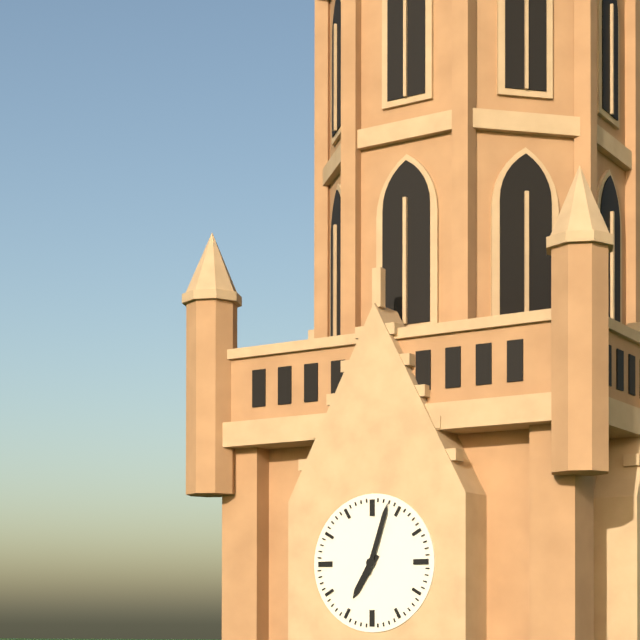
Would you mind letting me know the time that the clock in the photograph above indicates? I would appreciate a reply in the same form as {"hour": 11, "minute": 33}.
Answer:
{"hour": 7, "minute": 3}
